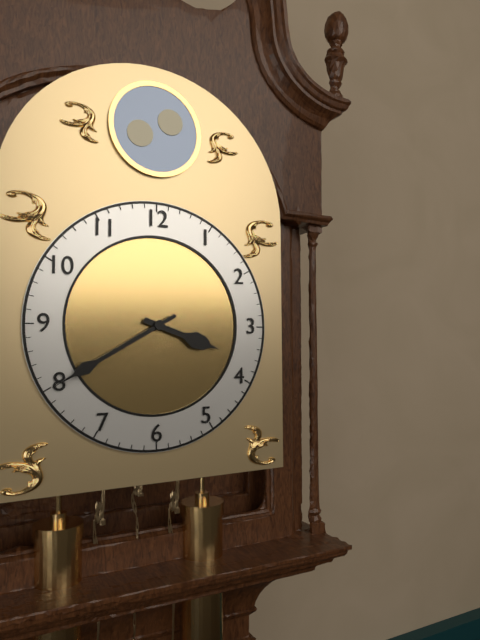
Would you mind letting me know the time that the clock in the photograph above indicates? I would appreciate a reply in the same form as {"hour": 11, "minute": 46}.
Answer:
{"hour": 3, "minute": 40}
